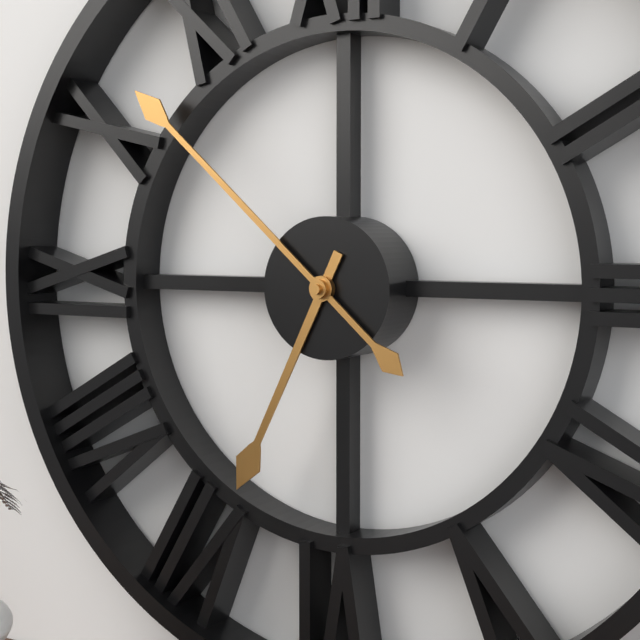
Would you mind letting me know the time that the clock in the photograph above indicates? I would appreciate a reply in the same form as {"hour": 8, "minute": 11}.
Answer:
{"hour": 6, "minute": 52}
